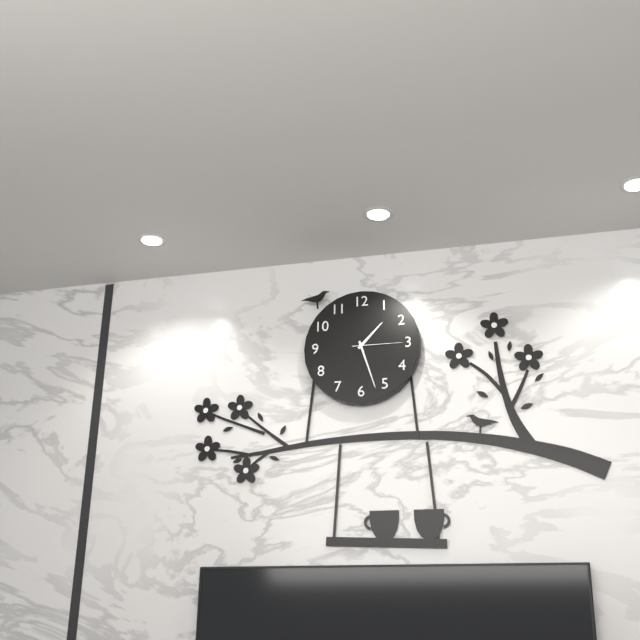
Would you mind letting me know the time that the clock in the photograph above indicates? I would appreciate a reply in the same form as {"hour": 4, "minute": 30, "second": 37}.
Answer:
{"hour": 1, "minute": 27, "second": 15}
